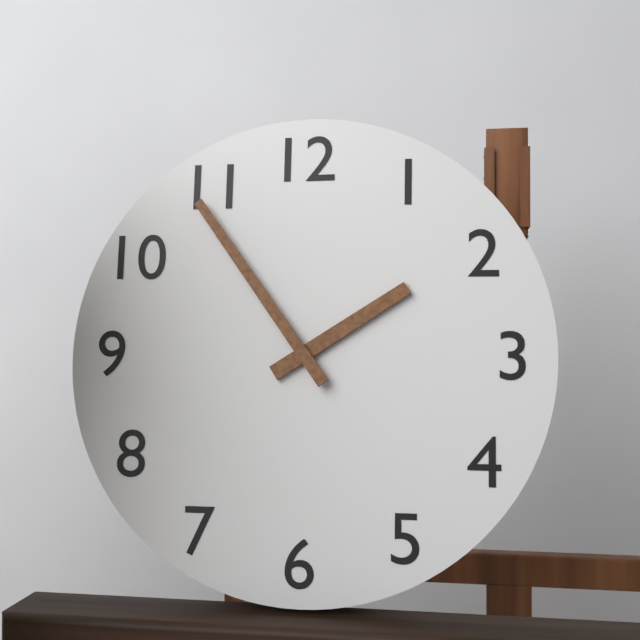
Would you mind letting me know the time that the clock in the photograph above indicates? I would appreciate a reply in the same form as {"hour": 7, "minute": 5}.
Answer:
{"hour": 1, "minute": 54}
